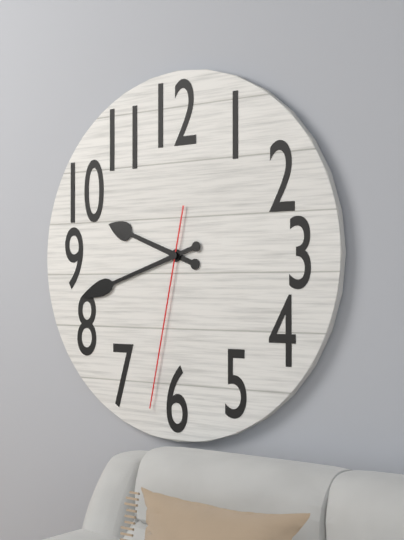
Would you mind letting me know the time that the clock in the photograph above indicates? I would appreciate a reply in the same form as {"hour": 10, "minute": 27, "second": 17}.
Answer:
{"hour": 9, "minute": 42, "second": 32}
